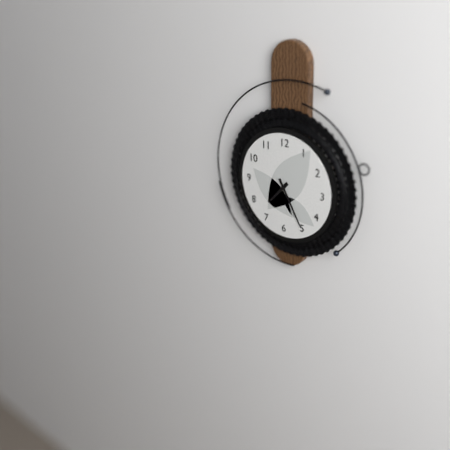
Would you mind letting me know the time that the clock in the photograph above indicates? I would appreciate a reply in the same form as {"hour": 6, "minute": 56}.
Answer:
{"hour": 7, "minute": 25}
